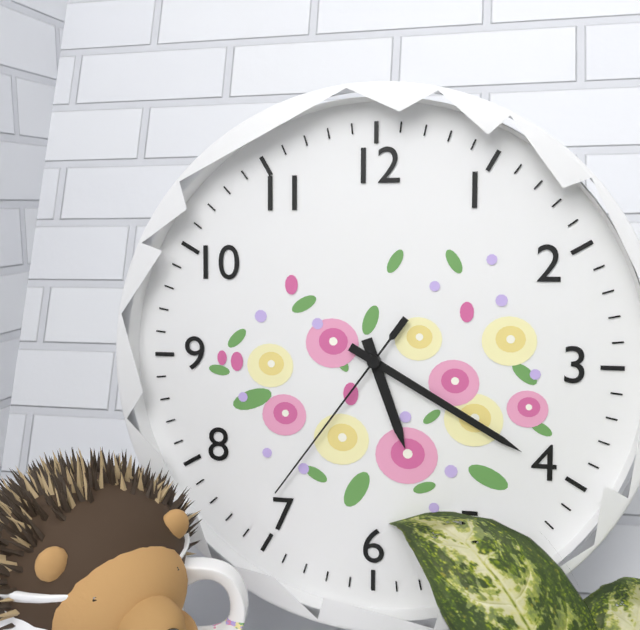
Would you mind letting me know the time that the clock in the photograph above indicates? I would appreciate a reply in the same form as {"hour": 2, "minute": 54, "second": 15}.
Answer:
{"hour": 5, "minute": 20, "second": 36}
